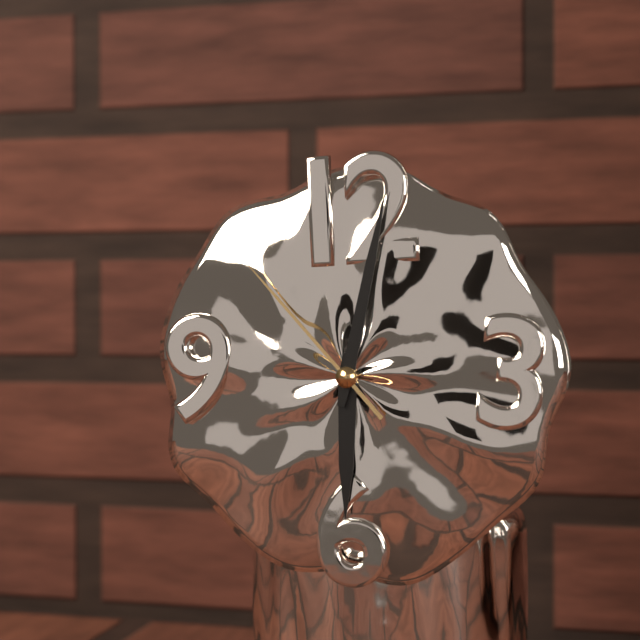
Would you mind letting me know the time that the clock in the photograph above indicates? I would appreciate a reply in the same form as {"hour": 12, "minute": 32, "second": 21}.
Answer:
{"hour": 6, "minute": 2, "second": 53}
